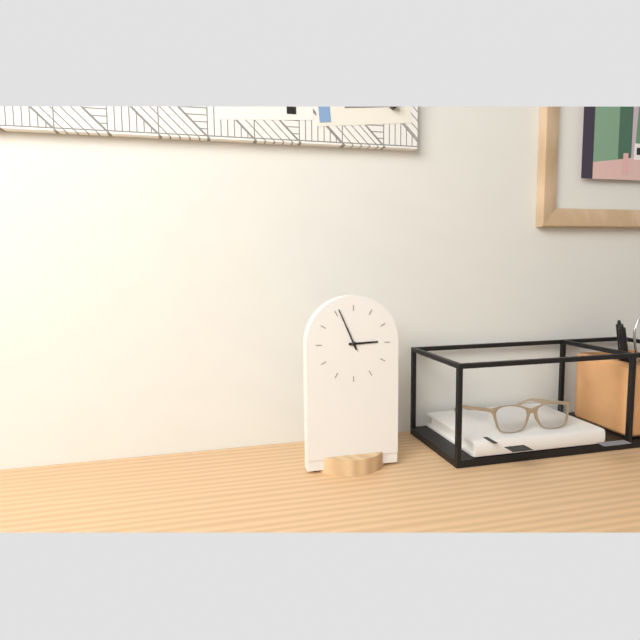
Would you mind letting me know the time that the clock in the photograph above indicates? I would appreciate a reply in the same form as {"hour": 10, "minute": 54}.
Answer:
{"hour": 2, "minute": 56}
